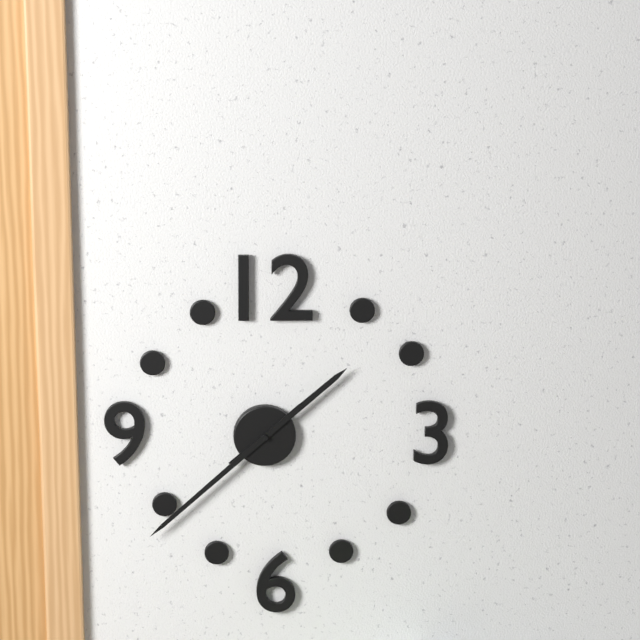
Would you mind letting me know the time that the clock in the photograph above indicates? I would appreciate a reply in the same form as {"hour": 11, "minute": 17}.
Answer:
{"hour": 1, "minute": 38}
